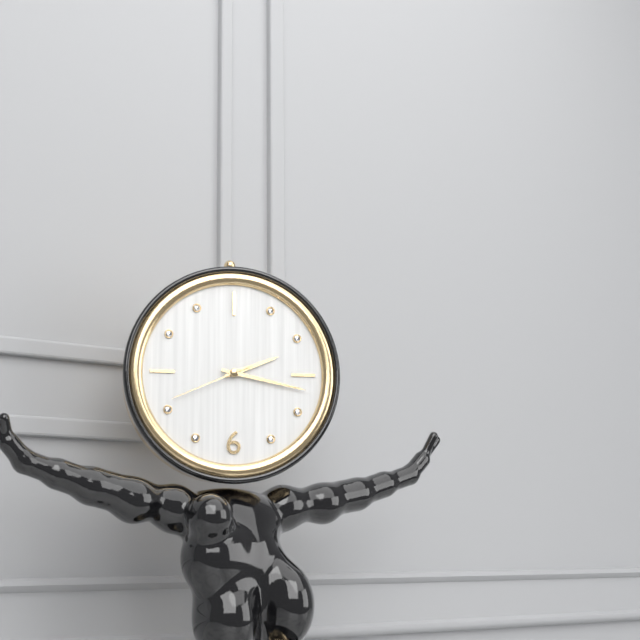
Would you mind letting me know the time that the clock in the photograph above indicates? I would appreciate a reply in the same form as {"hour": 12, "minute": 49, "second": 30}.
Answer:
{"hour": 2, "minute": 17, "second": 41}
